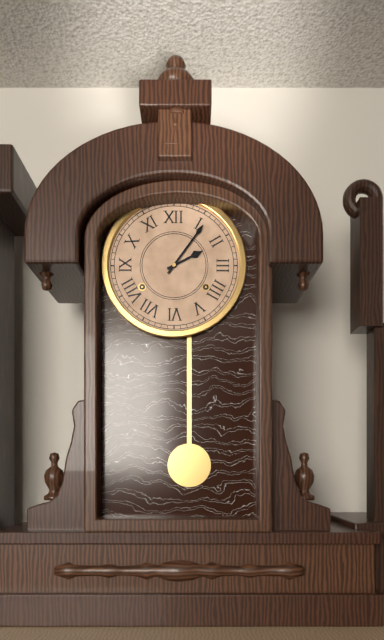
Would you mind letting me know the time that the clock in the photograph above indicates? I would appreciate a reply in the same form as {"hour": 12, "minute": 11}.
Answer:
{"hour": 2, "minute": 6}
